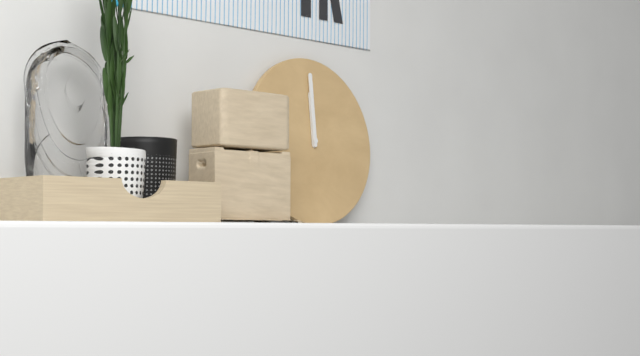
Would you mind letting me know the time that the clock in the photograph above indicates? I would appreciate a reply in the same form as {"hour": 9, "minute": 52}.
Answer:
{"hour": 12, "minute": 0}
